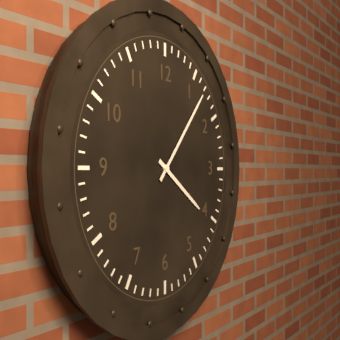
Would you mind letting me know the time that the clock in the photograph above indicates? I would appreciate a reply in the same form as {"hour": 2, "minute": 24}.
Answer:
{"hour": 4, "minute": 7}
